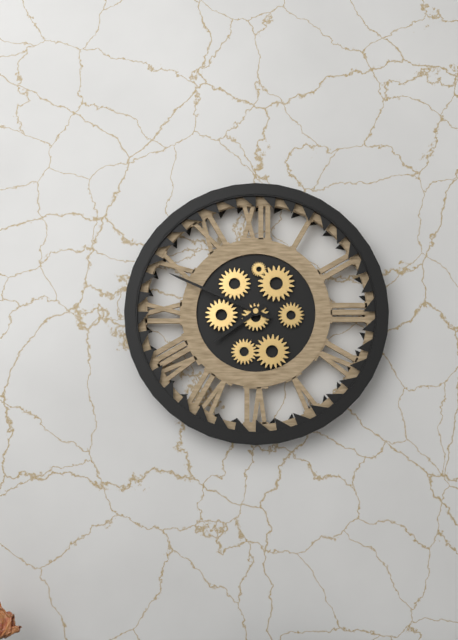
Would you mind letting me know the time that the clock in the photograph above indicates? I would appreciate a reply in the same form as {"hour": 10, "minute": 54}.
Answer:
{"hour": 7, "minute": 49}
